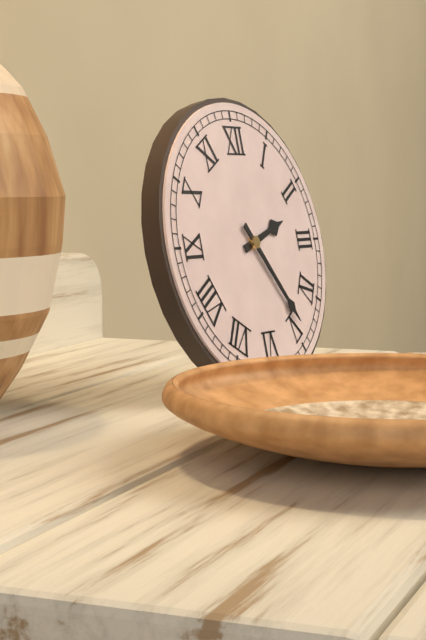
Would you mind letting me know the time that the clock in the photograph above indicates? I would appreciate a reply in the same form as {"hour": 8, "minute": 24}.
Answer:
{"hour": 2, "minute": 24}
